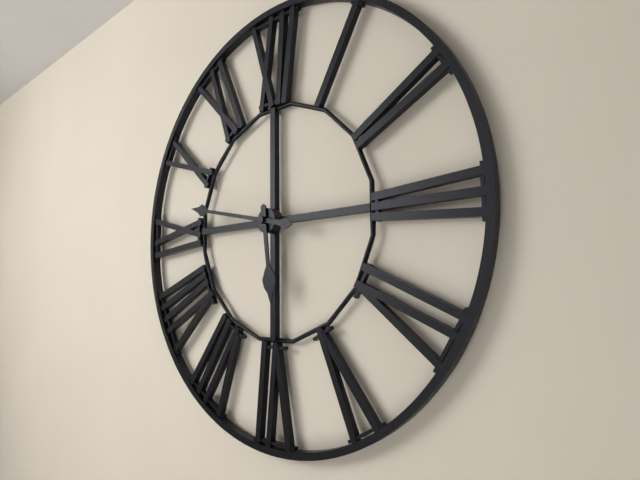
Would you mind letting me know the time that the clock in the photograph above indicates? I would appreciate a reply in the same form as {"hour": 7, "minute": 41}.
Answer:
{"hour": 5, "minute": 47}
